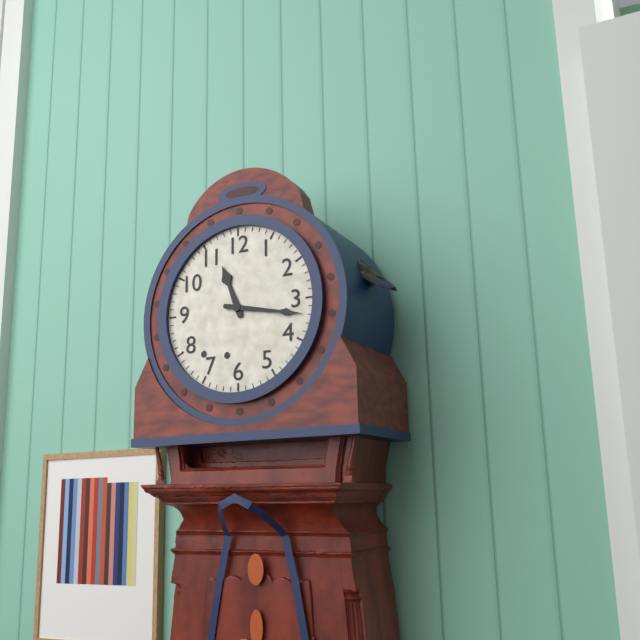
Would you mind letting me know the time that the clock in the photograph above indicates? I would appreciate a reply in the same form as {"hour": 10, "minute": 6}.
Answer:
{"hour": 11, "minute": 17}
